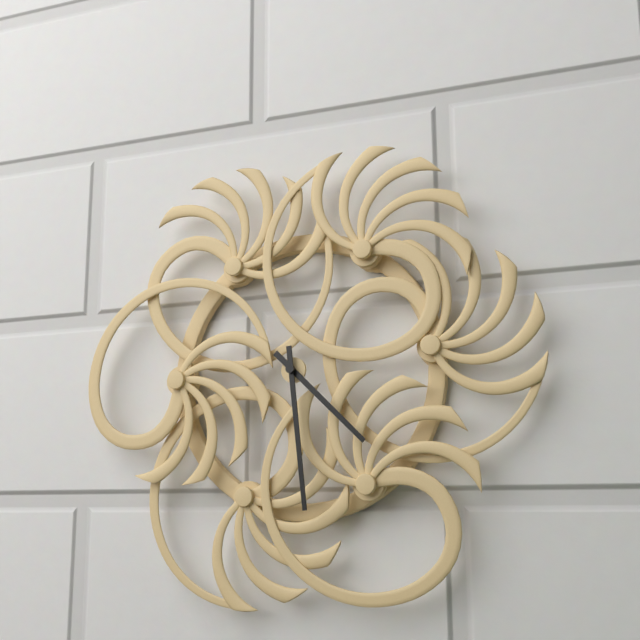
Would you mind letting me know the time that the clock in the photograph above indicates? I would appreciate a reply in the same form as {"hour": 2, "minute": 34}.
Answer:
{"hour": 4, "minute": 29}
